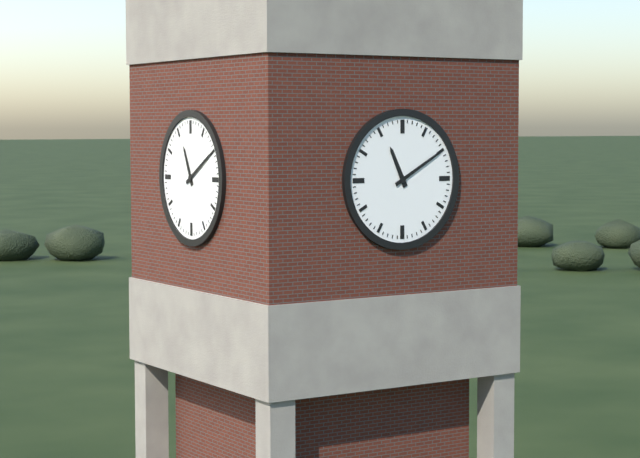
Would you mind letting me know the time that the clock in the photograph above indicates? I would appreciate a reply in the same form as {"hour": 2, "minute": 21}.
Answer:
{"hour": 11, "minute": 10}
